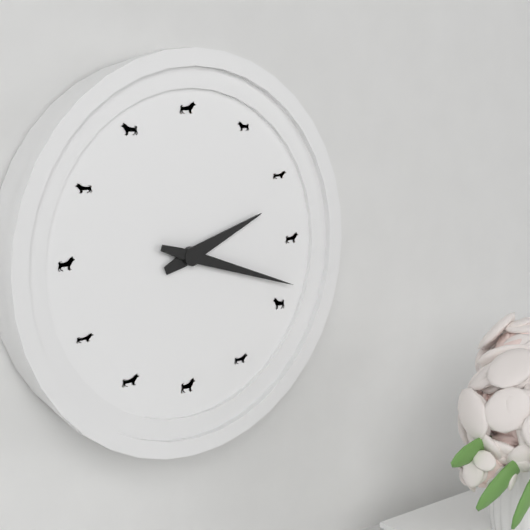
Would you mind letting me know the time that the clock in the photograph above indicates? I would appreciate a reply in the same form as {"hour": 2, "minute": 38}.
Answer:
{"hour": 2, "minute": 18}
